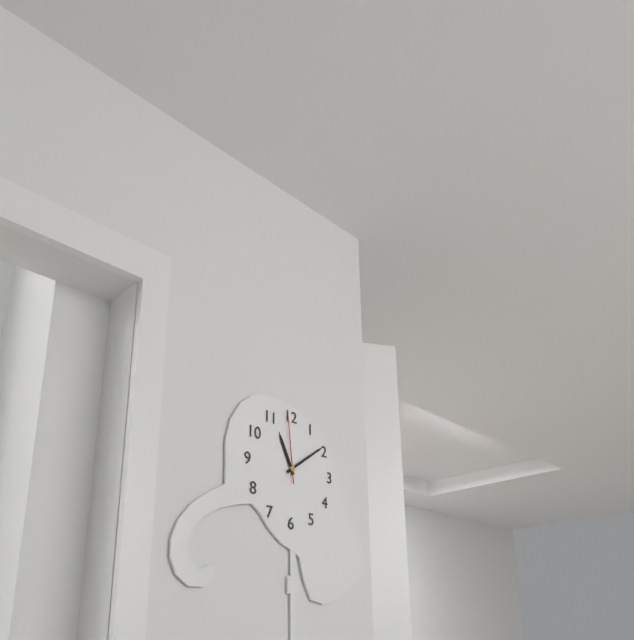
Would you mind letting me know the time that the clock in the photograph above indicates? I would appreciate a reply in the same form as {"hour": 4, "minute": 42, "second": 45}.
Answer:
{"hour": 11, "minute": 9, "second": 59}
